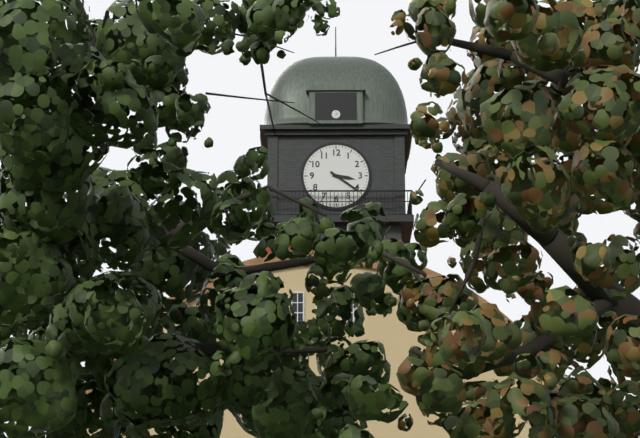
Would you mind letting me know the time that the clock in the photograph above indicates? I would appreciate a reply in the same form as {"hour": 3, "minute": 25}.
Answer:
{"hour": 3, "minute": 21}
